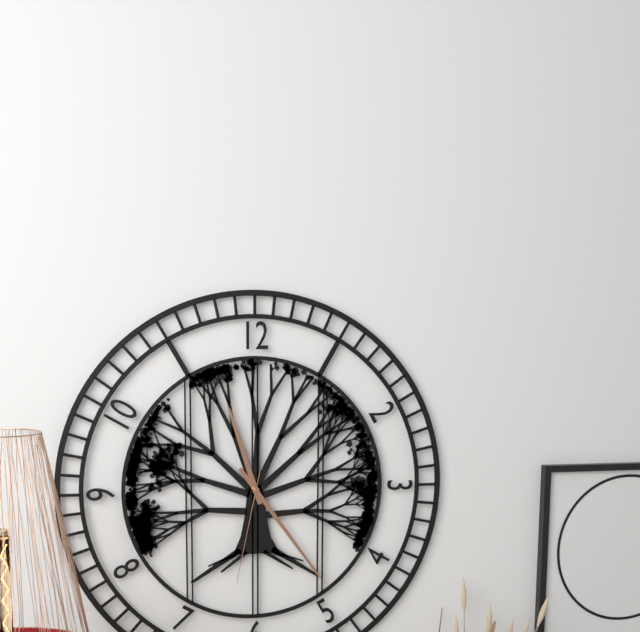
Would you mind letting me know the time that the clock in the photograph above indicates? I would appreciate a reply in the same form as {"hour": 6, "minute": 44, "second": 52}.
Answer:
{"hour": 11, "minute": 24, "second": 32}
